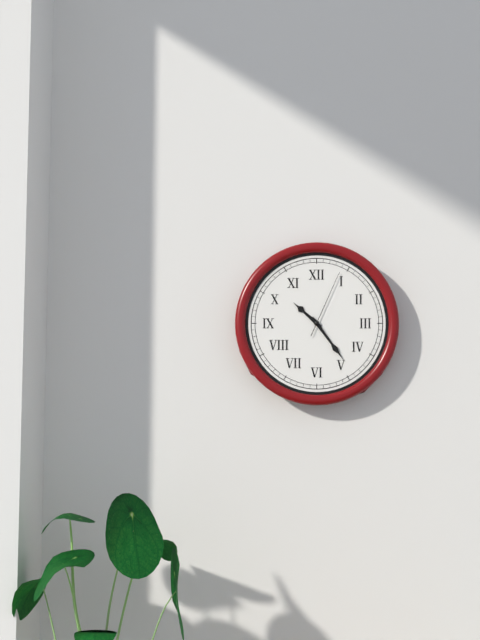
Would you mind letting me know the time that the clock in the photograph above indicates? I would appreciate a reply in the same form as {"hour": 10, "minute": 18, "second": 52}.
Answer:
{"hour": 10, "minute": 24, "second": 4}
